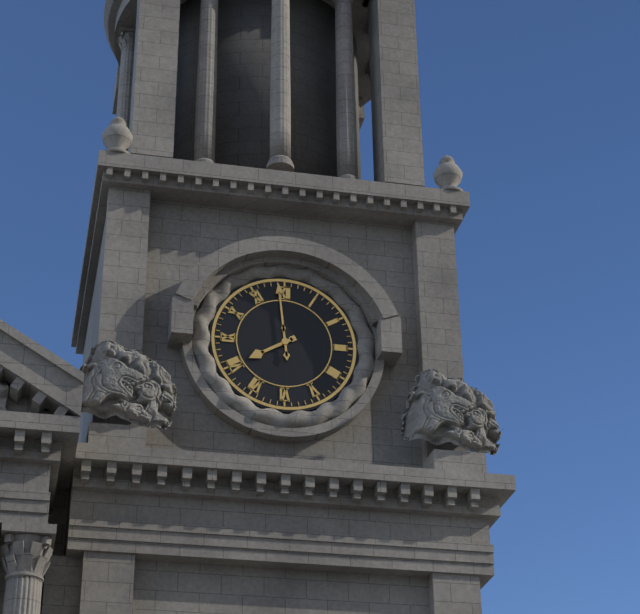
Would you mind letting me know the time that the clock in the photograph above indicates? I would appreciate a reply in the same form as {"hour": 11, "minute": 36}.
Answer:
{"hour": 7, "minute": 59}
